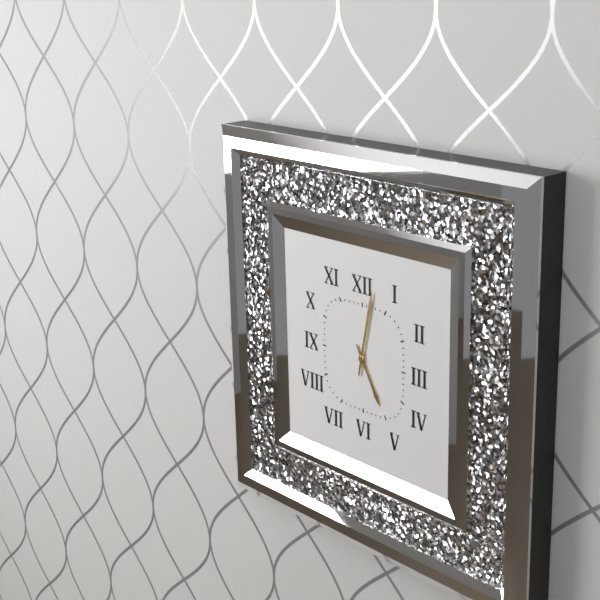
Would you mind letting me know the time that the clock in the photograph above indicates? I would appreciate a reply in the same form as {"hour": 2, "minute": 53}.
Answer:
{"hour": 5, "minute": 2}
